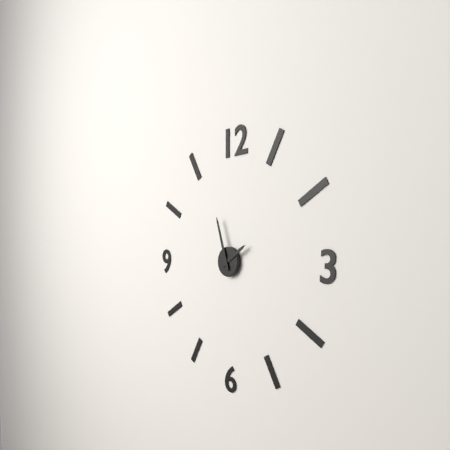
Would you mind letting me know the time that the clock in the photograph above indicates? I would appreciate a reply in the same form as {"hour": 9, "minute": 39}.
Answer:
{"hour": 1, "minute": 57}
